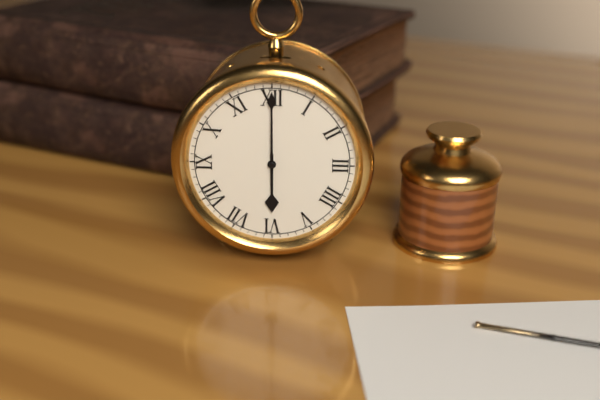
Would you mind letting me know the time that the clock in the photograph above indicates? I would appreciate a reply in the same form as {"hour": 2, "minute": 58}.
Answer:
{"hour": 6, "minute": 0}
